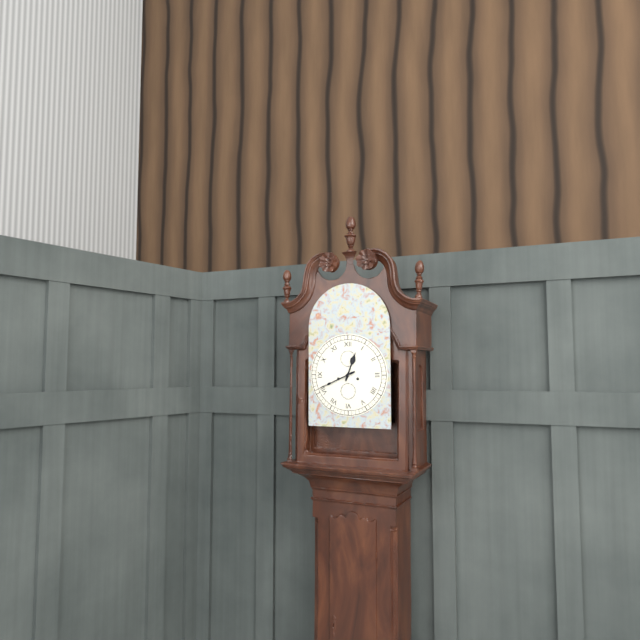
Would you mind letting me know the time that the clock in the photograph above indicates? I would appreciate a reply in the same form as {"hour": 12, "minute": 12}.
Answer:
{"hour": 12, "minute": 41}
